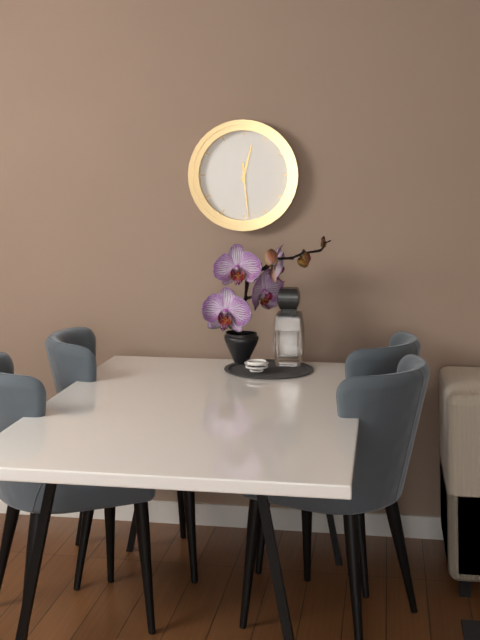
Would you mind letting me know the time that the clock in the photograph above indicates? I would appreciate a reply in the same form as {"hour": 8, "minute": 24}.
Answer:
{"hour": 12, "minute": 29}
